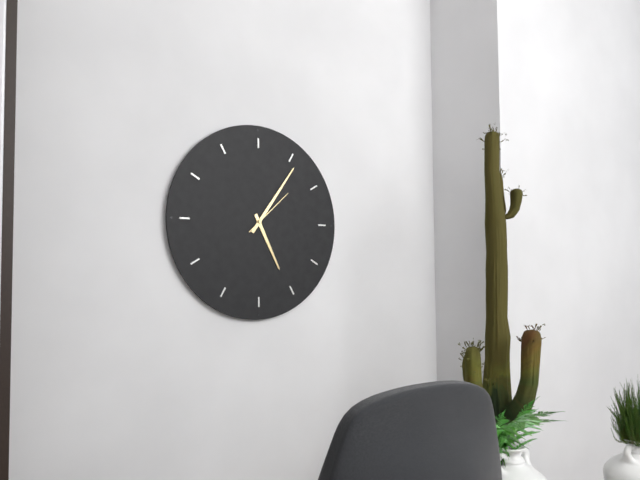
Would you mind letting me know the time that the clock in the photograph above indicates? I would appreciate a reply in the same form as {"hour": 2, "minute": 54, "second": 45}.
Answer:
{"hour": 5, "minute": 6, "second": 8}
